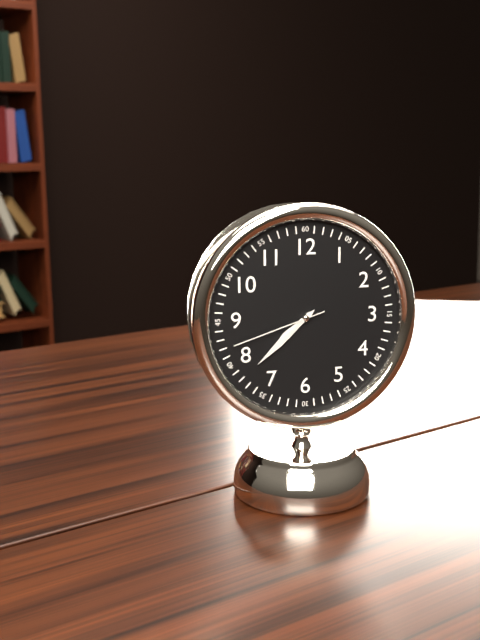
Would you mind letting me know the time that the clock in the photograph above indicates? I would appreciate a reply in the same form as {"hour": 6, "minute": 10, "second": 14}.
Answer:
{"hour": 7, "minute": 38, "second": 42}
